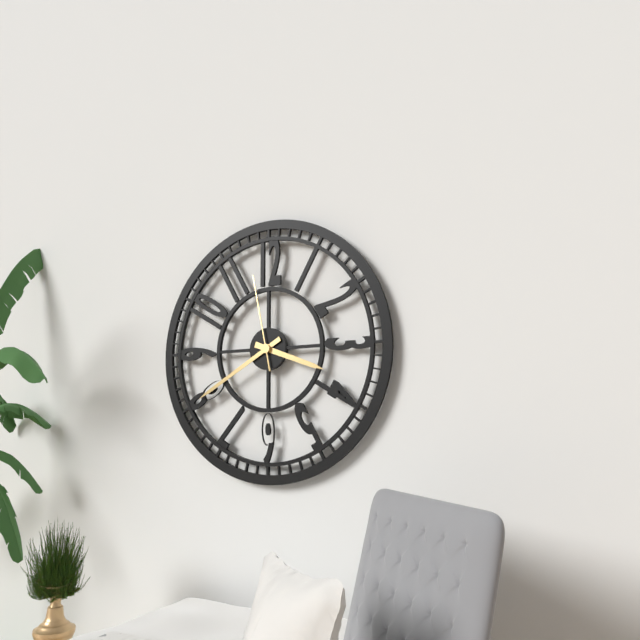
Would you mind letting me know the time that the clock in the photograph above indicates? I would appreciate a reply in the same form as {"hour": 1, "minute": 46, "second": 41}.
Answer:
{"hour": 3, "minute": 40, "second": 58}
